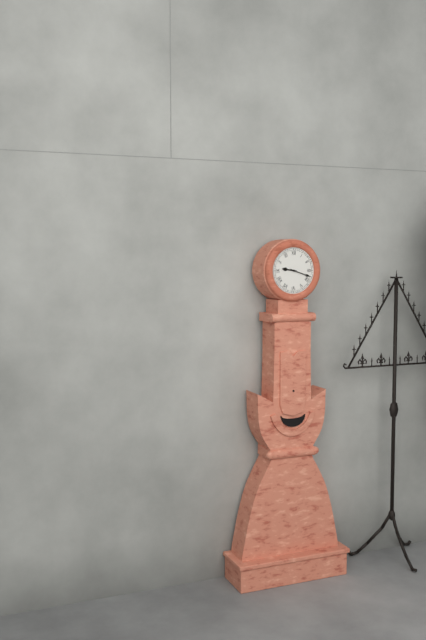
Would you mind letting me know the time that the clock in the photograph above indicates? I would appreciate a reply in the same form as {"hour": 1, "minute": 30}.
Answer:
{"hour": 9, "minute": 18}
